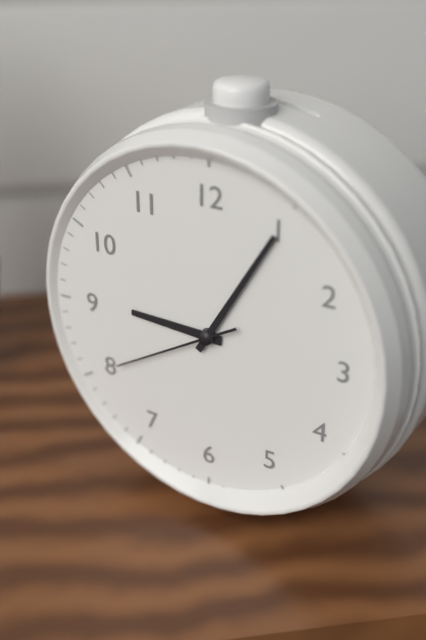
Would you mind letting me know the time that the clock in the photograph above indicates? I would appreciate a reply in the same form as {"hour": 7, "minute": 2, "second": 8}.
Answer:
{"hour": 9, "minute": 5, "second": 40}
